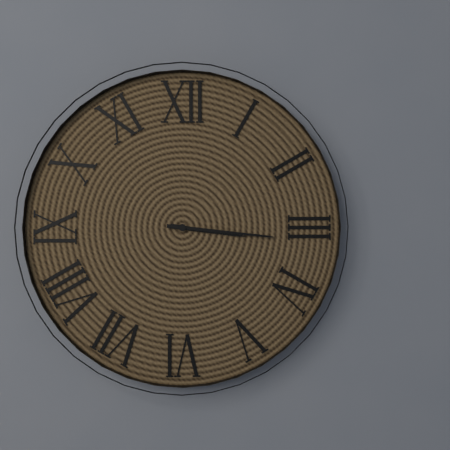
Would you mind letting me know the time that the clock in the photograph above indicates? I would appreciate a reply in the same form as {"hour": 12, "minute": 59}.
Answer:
{"hour": 3, "minute": 16}
